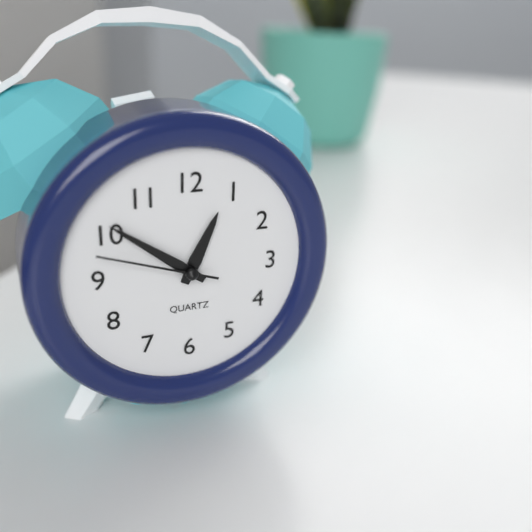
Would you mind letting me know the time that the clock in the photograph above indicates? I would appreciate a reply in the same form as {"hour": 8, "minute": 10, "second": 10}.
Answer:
{"hour": 12, "minute": 51, "second": 48}
